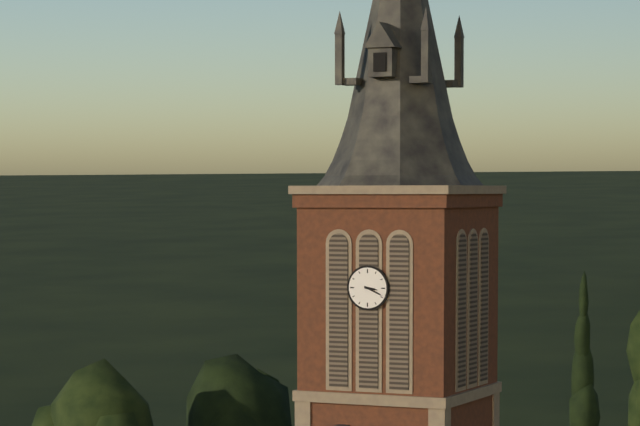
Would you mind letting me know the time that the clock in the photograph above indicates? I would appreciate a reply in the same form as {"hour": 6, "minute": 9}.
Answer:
{"hour": 3, "minute": 19}
